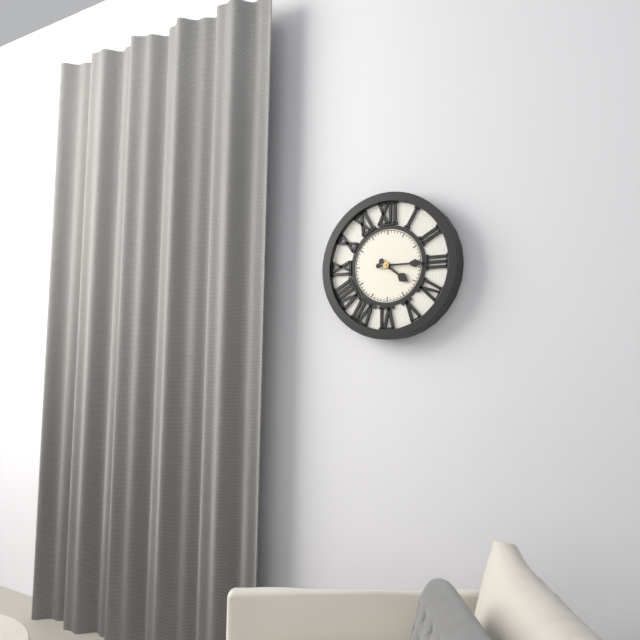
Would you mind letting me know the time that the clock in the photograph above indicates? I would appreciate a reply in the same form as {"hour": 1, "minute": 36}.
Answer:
{"hour": 4, "minute": 15}
